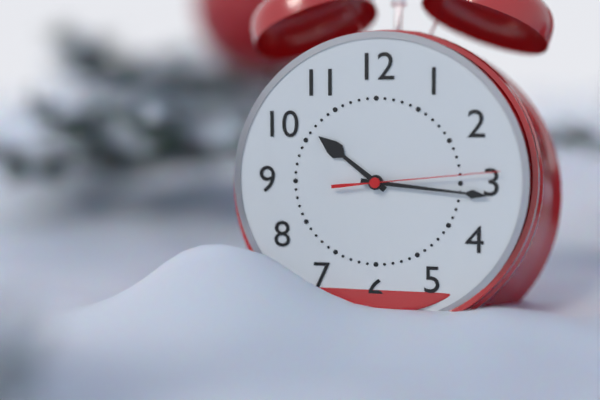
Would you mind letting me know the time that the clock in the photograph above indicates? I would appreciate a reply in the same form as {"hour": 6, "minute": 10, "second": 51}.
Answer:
{"hour": 10, "minute": 16, "second": 14}
